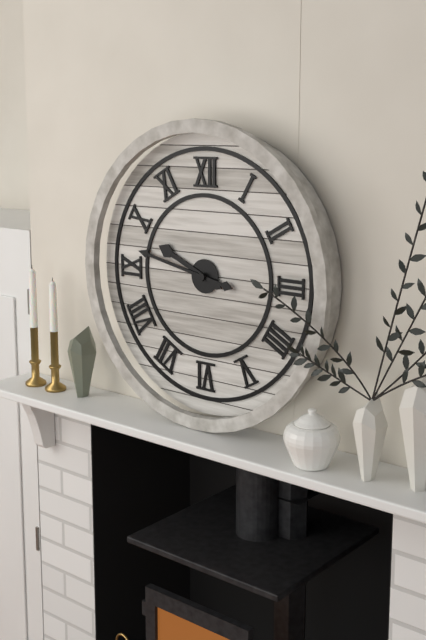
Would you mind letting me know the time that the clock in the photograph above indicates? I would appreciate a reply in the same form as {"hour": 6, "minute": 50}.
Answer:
{"hour": 9, "minute": 47}
